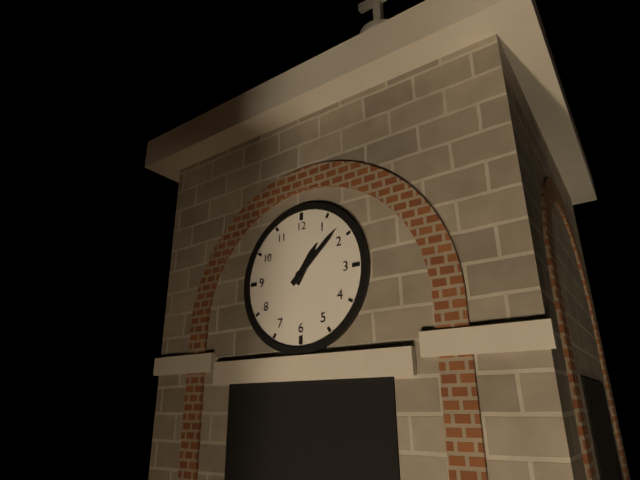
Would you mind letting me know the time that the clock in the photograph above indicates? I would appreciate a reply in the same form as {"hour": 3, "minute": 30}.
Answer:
{"hour": 1, "minute": 8}
